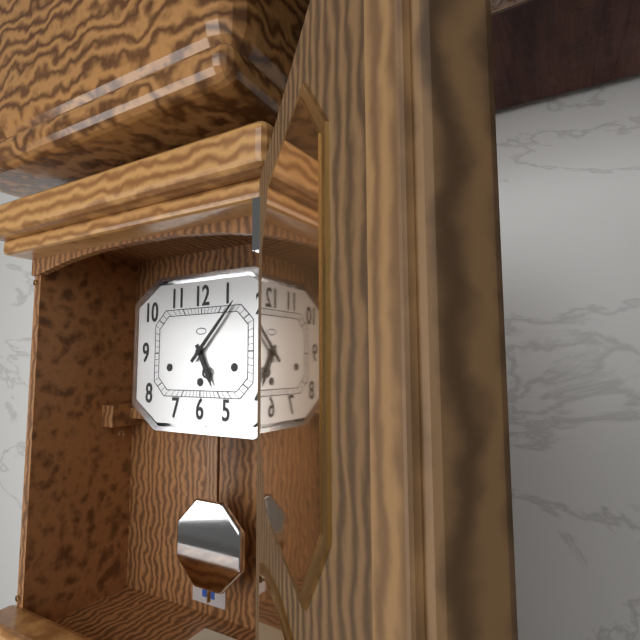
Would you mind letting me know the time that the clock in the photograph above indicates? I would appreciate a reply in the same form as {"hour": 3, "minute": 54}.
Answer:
{"hour": 5, "minute": 7}
